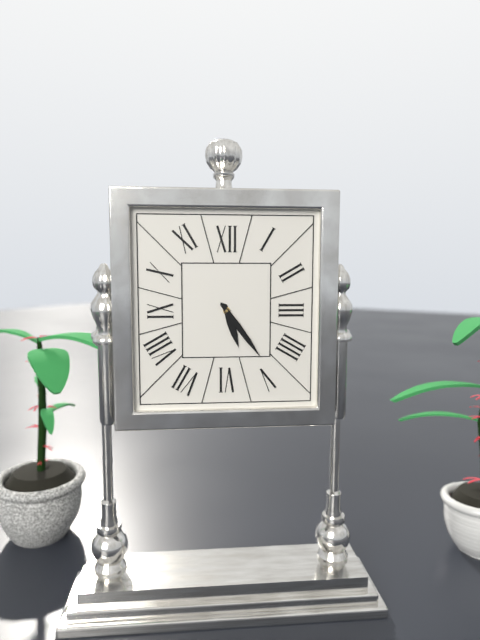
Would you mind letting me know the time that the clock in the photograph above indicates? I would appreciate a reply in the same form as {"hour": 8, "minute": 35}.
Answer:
{"hour": 5, "minute": 24}
